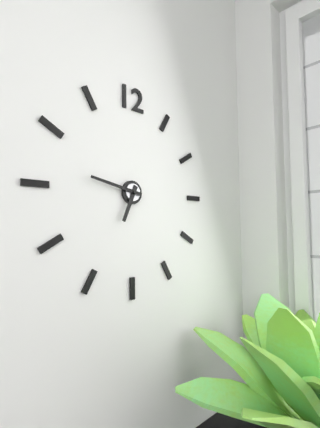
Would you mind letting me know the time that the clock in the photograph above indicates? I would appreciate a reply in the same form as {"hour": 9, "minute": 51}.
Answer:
{"hour": 6, "minute": 47}
